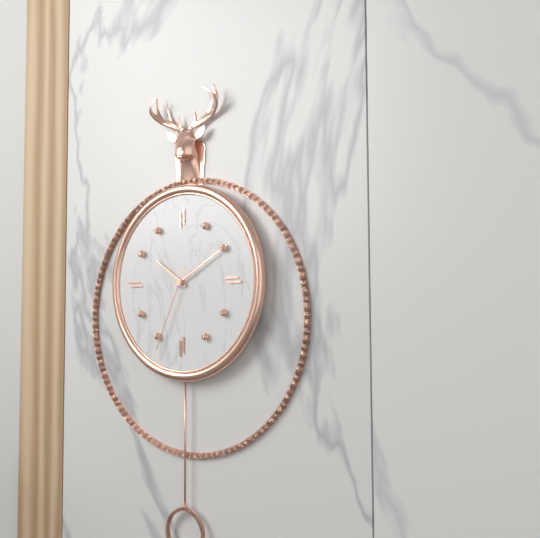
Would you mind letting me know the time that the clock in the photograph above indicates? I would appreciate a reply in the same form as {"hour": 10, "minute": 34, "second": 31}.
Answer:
{"hour": 10, "minute": 10, "second": 34}
